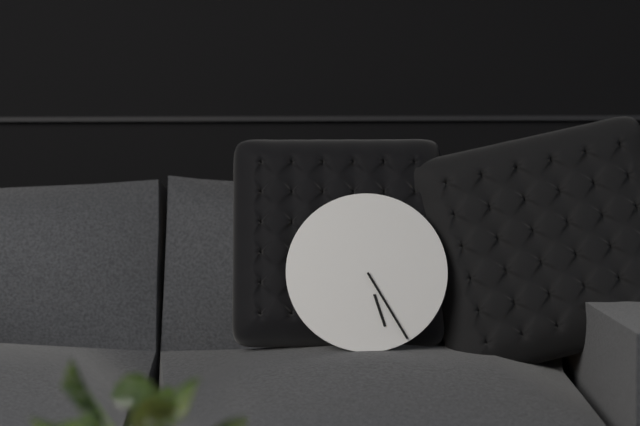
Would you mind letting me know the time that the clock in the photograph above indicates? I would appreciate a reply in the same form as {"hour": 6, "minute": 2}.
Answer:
{"hour": 5, "minute": 25}
